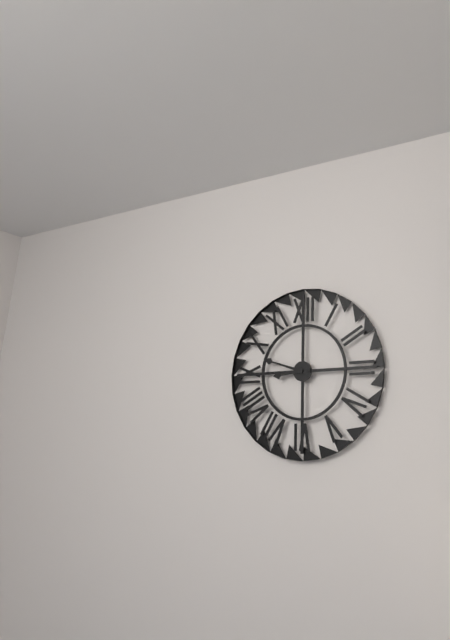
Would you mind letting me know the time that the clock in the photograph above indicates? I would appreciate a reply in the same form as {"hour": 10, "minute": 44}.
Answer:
{"hour": 8, "minute": 48}
